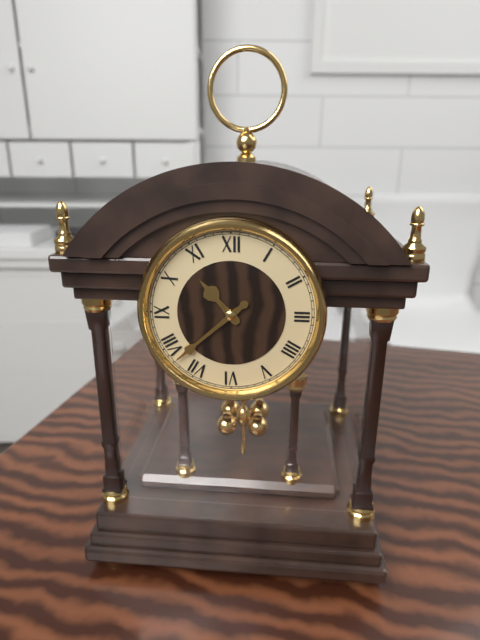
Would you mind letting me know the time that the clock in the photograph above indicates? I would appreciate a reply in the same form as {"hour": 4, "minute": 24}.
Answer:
{"hour": 10, "minute": 38}
